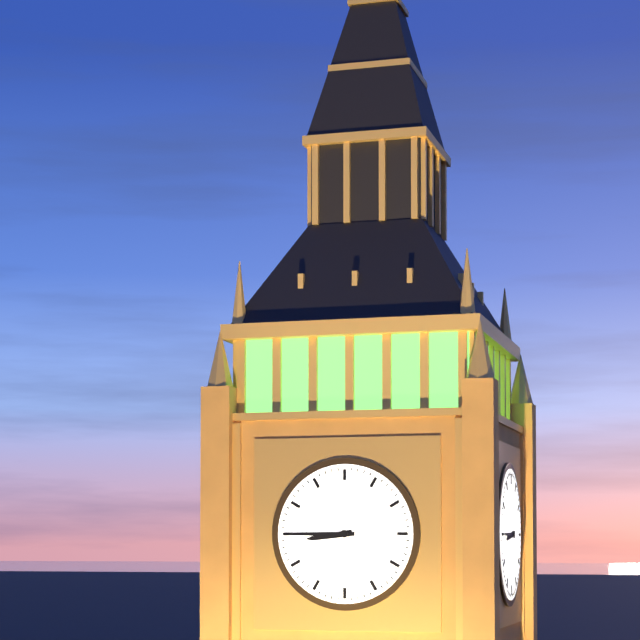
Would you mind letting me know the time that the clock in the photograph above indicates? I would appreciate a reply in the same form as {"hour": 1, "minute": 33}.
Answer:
{"hour": 8, "minute": 45}
